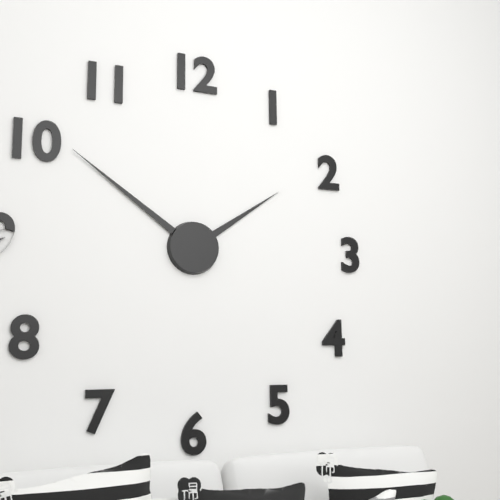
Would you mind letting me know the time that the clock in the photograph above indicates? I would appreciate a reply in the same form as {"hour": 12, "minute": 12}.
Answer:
{"hour": 1, "minute": 51}
